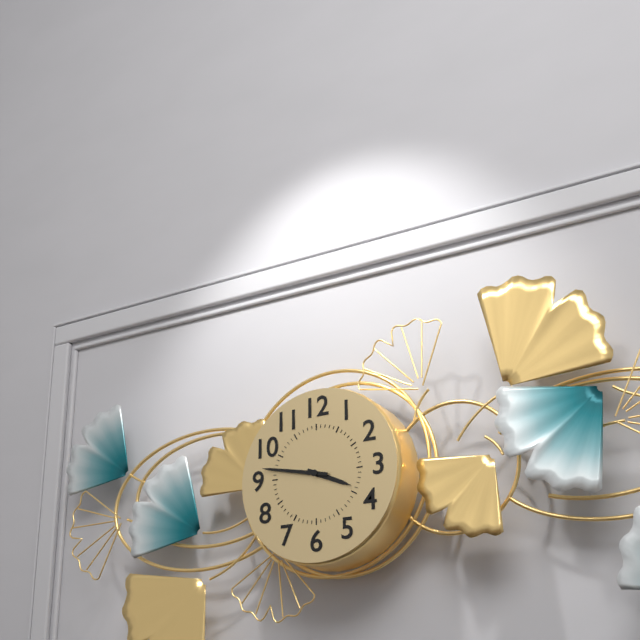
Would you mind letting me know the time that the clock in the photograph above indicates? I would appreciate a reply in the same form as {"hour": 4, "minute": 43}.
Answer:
{"hour": 3, "minute": 47}
